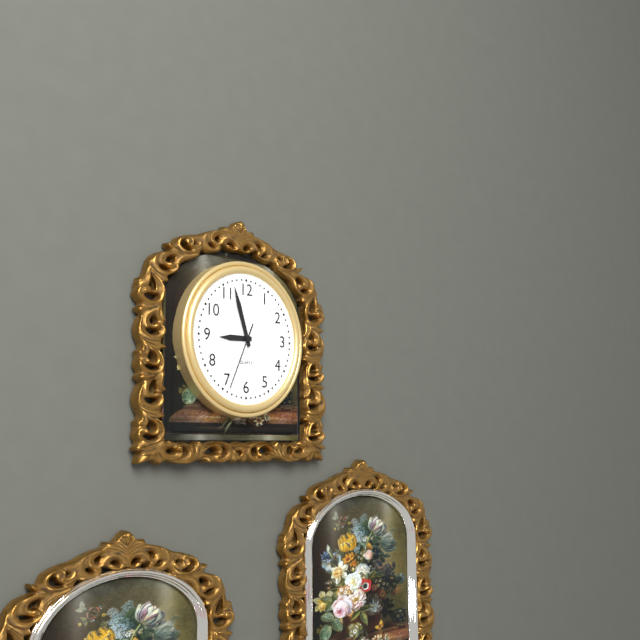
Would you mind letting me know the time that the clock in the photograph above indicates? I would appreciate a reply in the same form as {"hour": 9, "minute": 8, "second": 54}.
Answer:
{"hour": 8, "minute": 57, "second": 34}
